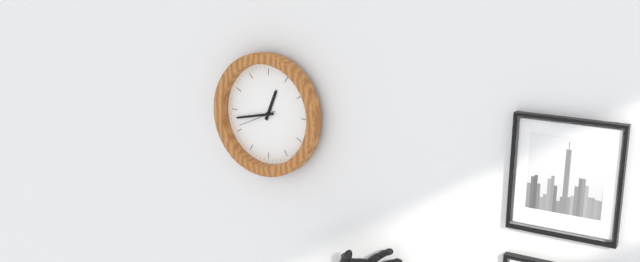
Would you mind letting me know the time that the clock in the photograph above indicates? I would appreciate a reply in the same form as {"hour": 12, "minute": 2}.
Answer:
{"hour": 12, "minute": 43}
